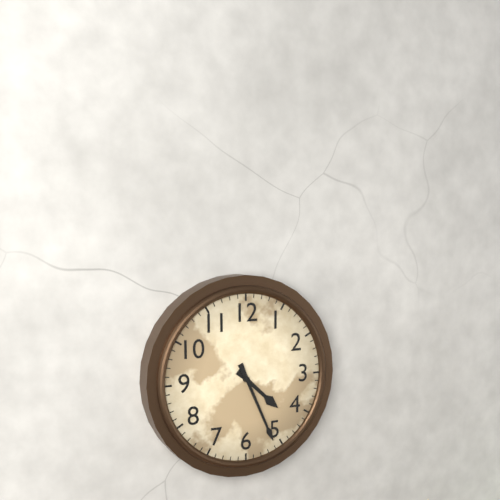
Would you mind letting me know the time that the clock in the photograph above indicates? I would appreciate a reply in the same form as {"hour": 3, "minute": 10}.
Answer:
{"hour": 4, "minute": 26}
